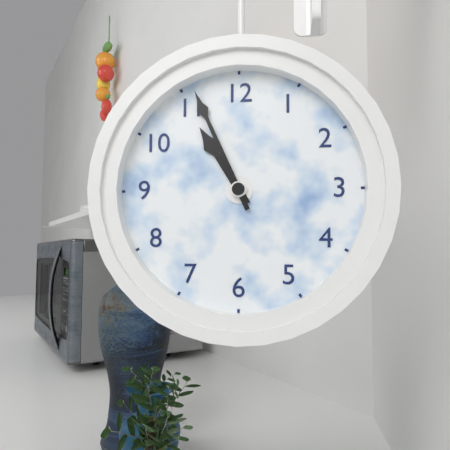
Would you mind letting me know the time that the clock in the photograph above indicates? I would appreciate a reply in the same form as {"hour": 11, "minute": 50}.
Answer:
{"hour": 10, "minute": 56}
